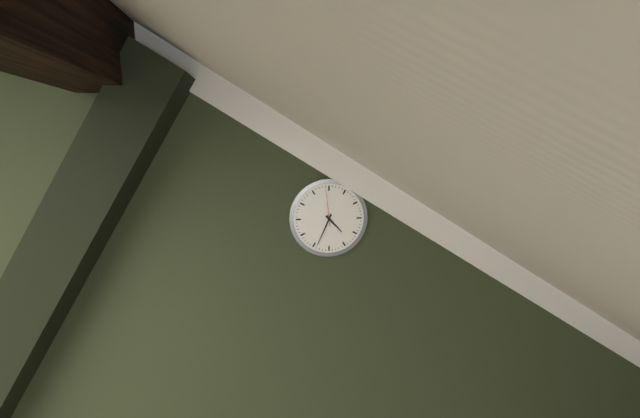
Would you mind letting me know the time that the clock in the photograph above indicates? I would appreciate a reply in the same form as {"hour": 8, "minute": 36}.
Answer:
{"hour": 4, "minute": 34}
